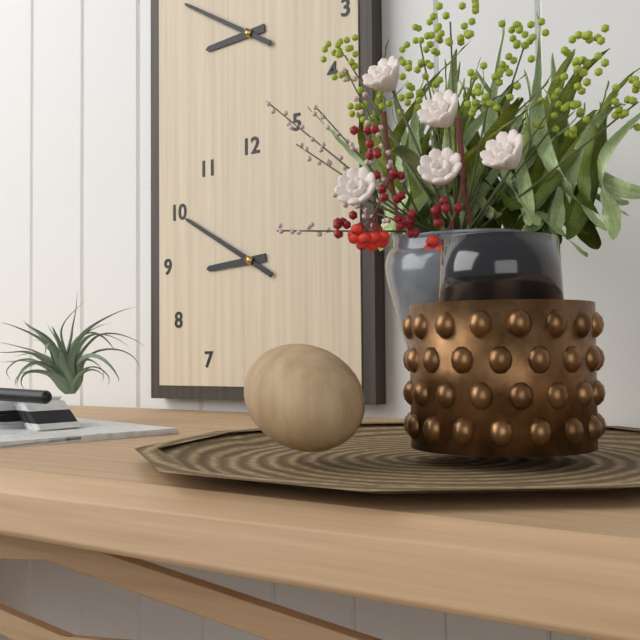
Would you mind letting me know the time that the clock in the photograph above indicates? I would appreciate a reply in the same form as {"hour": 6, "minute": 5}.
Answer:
{"hour": 8, "minute": 50}
